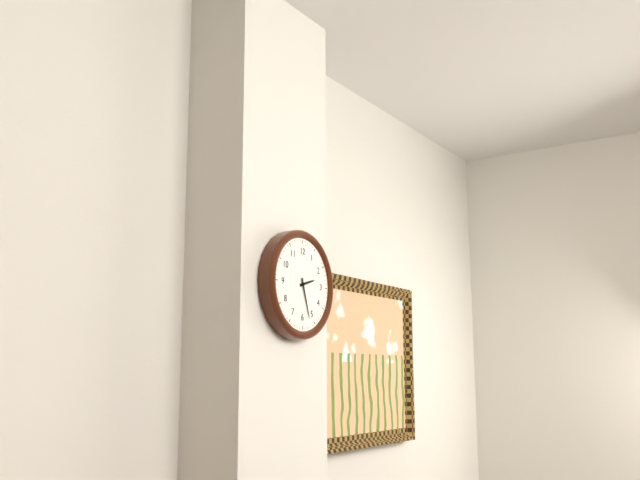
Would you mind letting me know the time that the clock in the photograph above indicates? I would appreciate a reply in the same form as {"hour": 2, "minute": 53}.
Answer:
{"hour": 2, "minute": 27}
